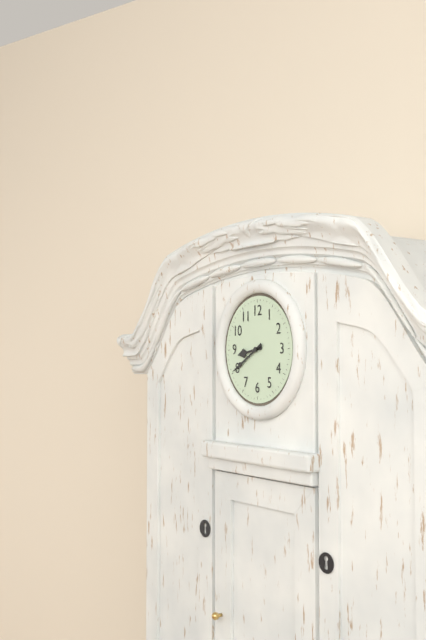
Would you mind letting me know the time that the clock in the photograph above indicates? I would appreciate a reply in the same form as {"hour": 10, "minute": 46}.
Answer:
{"hour": 8, "minute": 40}
